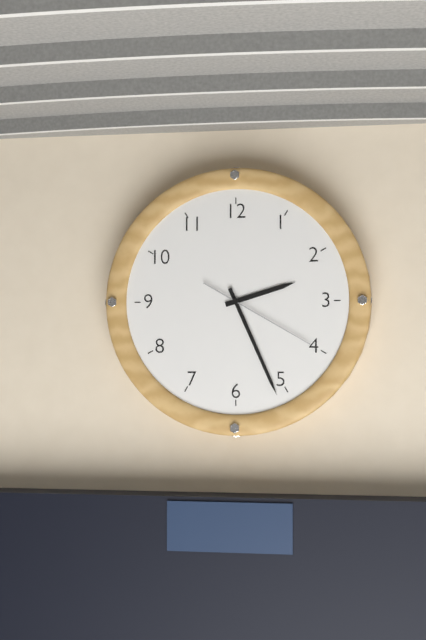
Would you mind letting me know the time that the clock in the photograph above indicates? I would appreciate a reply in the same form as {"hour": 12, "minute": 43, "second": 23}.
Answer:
{"hour": 2, "minute": 26, "second": 20}
